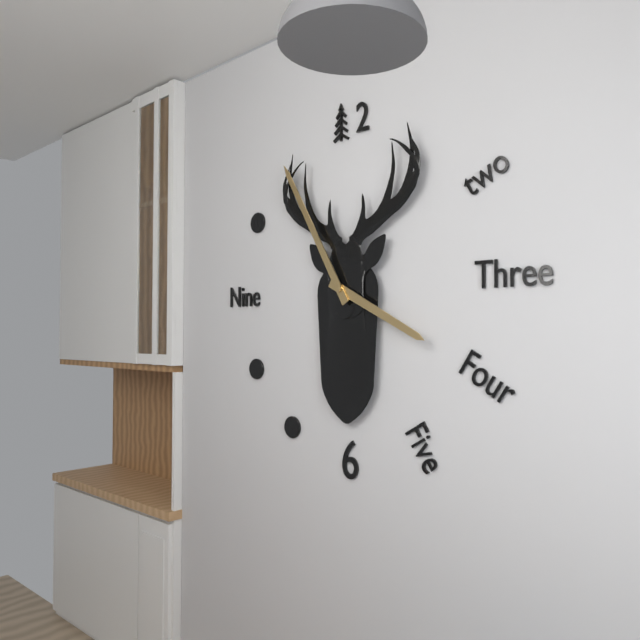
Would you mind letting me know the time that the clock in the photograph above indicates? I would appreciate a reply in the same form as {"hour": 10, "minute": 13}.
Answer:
{"hour": 3, "minute": 55}
